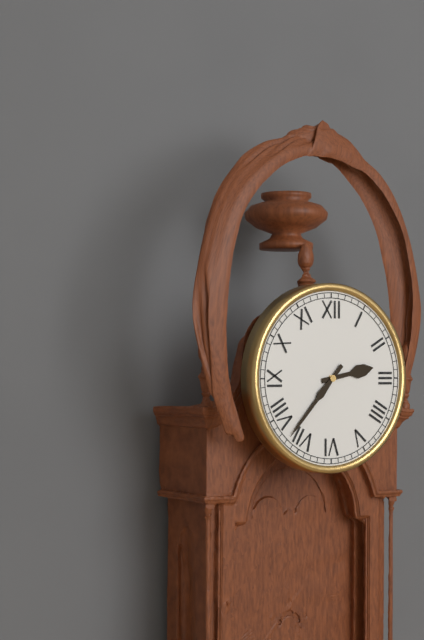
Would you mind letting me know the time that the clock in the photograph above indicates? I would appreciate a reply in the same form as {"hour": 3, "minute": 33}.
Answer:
{"hour": 2, "minute": 37}
